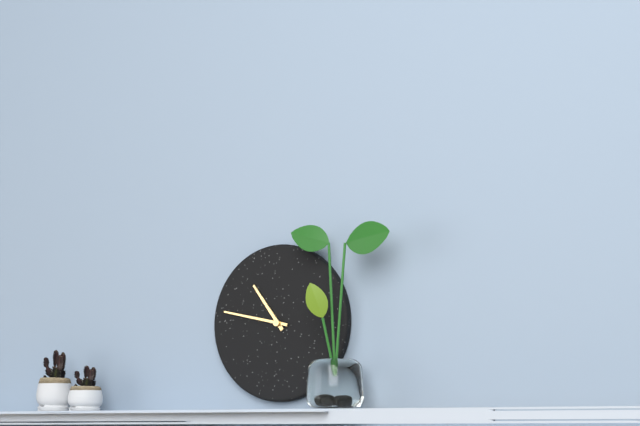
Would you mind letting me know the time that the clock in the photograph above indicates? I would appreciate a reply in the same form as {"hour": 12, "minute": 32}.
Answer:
{"hour": 10, "minute": 47}
